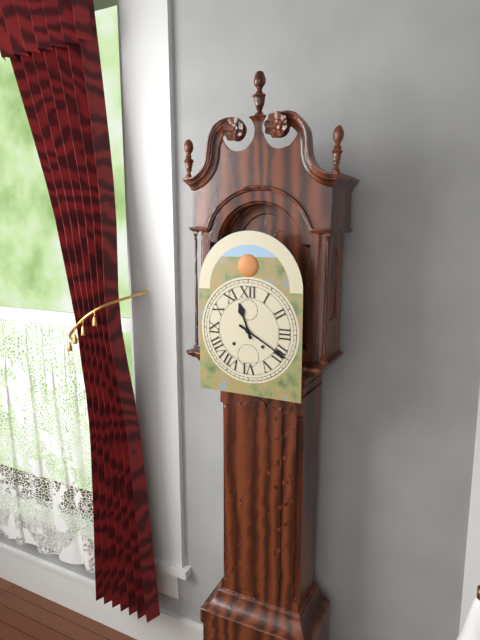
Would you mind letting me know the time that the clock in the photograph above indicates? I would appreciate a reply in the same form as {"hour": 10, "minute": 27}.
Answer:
{"hour": 11, "minute": 20}
